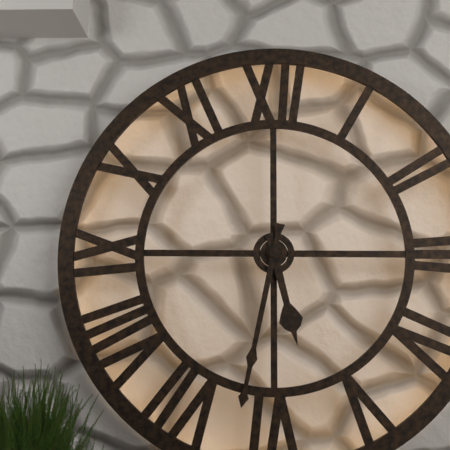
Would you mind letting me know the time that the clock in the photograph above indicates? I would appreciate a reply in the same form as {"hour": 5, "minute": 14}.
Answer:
{"hour": 5, "minute": 32}
